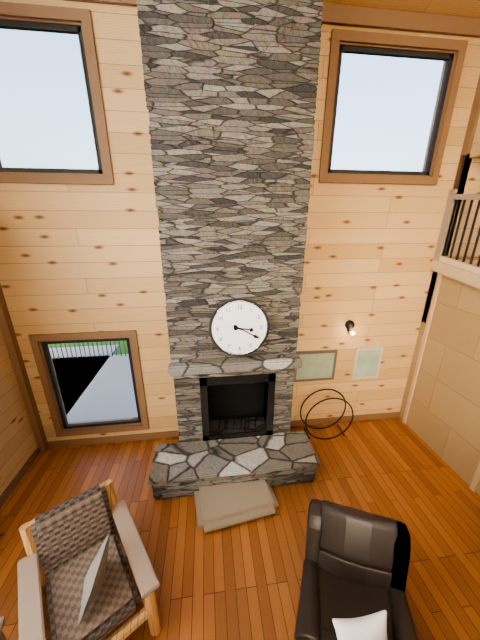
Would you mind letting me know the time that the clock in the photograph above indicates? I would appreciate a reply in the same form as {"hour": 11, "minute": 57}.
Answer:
{"hour": 3, "minute": 20}
